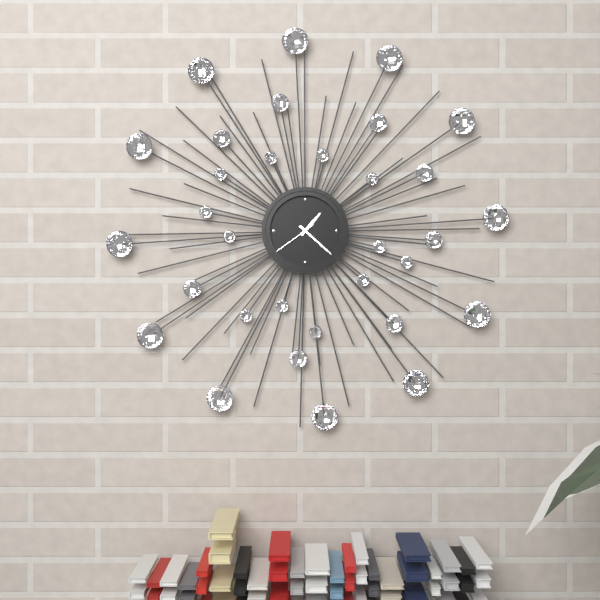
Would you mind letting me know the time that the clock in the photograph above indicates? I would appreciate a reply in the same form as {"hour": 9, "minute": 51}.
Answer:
{"hour": 1, "minute": 22}
